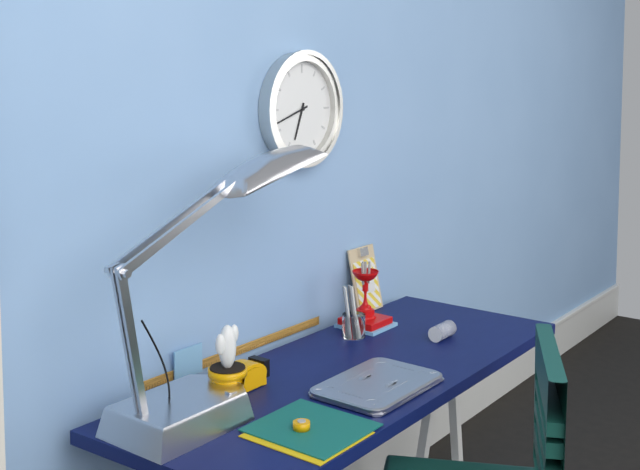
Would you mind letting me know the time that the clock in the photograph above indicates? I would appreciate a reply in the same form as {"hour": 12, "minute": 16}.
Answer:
{"hour": 6, "minute": 42}
